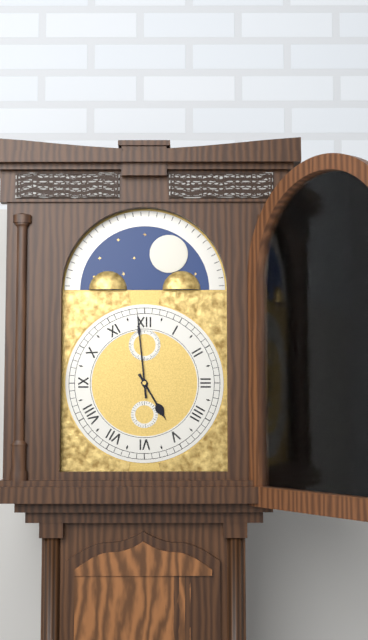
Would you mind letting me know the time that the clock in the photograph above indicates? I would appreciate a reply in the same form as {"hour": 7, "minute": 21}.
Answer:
{"hour": 4, "minute": 59}
